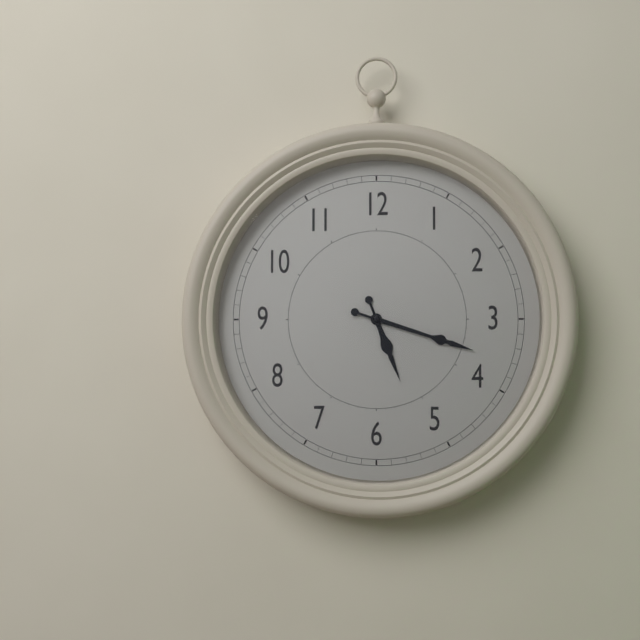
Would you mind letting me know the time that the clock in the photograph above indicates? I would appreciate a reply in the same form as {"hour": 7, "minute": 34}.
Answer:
{"hour": 5, "minute": 18}
